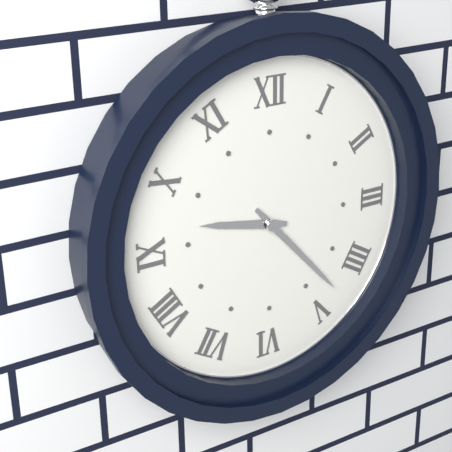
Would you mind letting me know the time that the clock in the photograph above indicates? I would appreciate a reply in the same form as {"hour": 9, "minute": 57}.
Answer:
{"hour": 9, "minute": 23}
